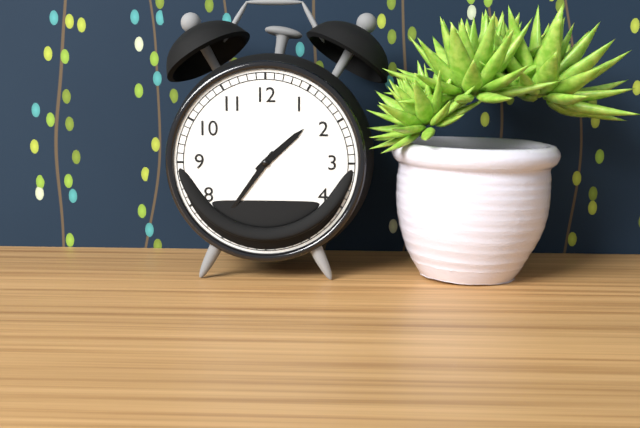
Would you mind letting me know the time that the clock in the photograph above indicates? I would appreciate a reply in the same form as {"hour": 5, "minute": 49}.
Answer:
{"hour": 1, "minute": 36}
